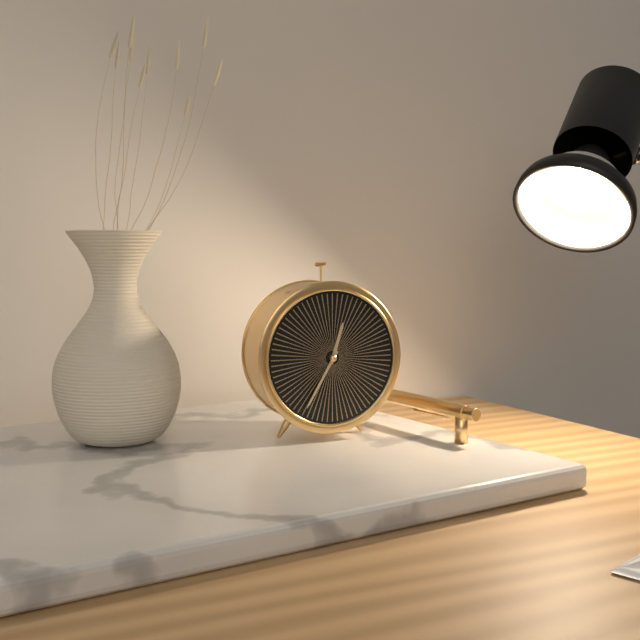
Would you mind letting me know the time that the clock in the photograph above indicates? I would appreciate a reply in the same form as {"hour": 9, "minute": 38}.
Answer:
{"hour": 12, "minute": 35}
